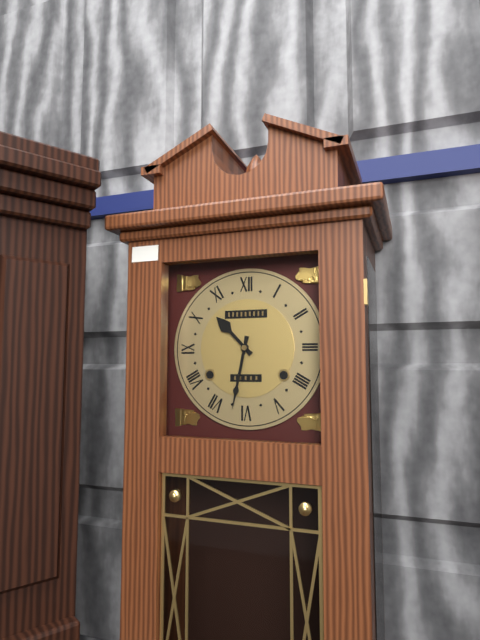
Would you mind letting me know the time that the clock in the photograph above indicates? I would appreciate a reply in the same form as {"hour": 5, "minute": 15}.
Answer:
{"hour": 10, "minute": 32}
